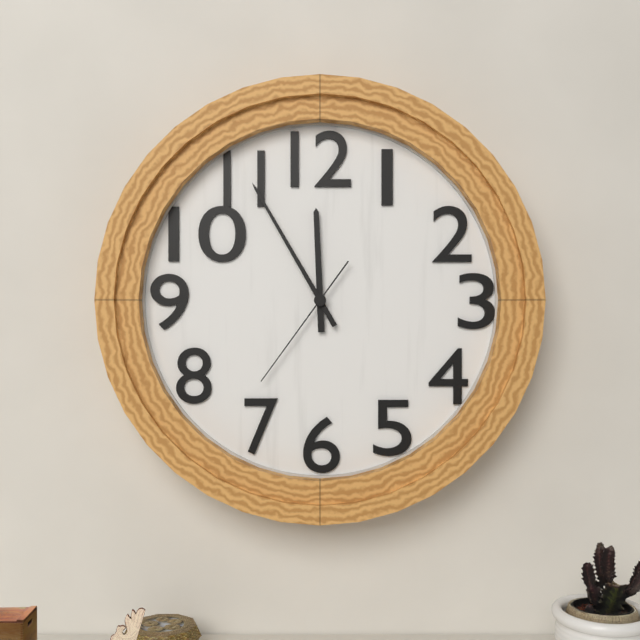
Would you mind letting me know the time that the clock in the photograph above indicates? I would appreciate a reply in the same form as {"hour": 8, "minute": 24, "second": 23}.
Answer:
{"hour": 11, "minute": 55, "second": 36}
